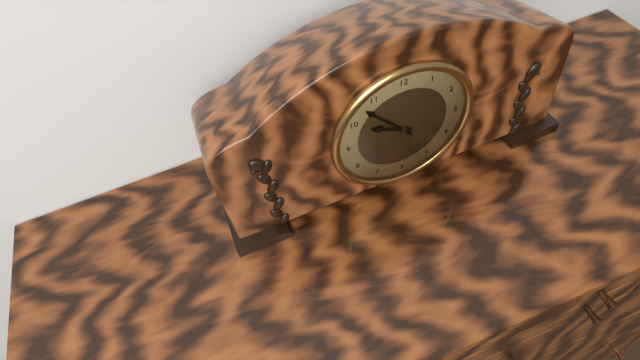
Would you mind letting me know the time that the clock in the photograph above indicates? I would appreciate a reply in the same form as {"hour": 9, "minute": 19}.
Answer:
{"hour": 9, "minute": 53}
